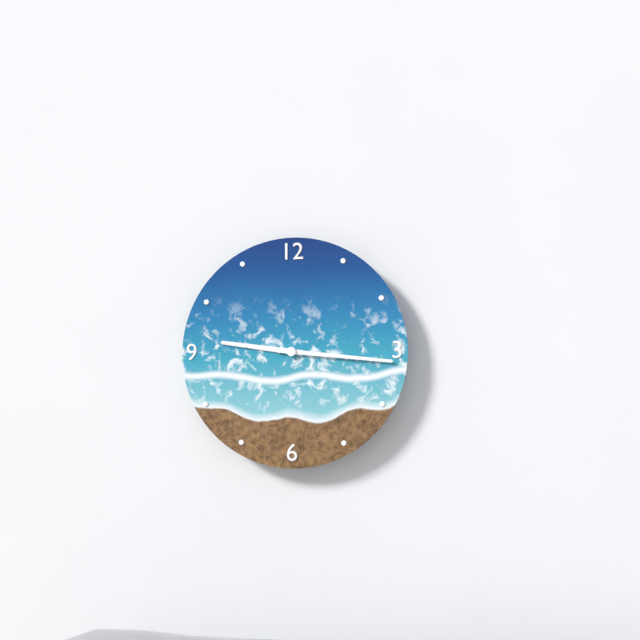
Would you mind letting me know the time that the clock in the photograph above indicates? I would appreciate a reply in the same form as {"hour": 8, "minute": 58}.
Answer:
{"hour": 9, "minute": 16}
